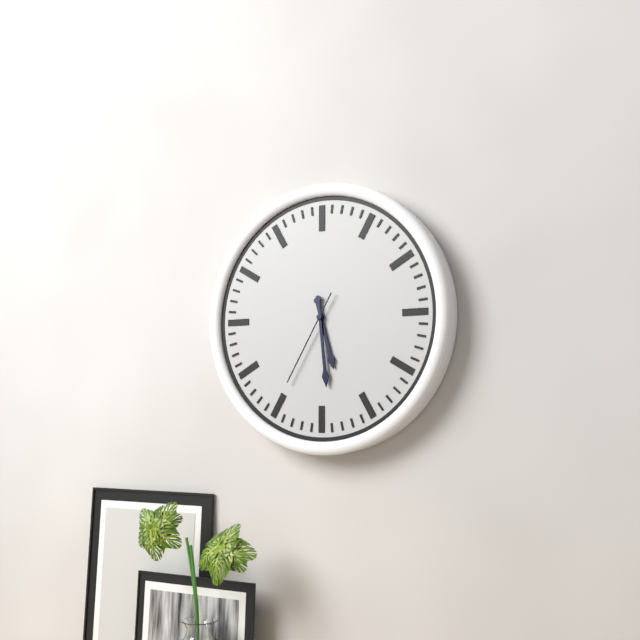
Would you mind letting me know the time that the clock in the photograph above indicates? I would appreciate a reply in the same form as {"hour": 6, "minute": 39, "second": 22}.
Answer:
{"hour": 5, "minute": 29, "second": 35}
